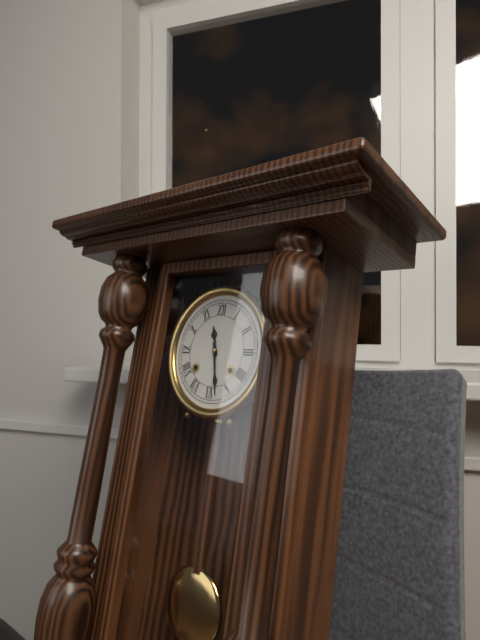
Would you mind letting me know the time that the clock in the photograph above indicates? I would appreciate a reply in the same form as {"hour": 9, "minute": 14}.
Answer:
{"hour": 11, "minute": 28}
